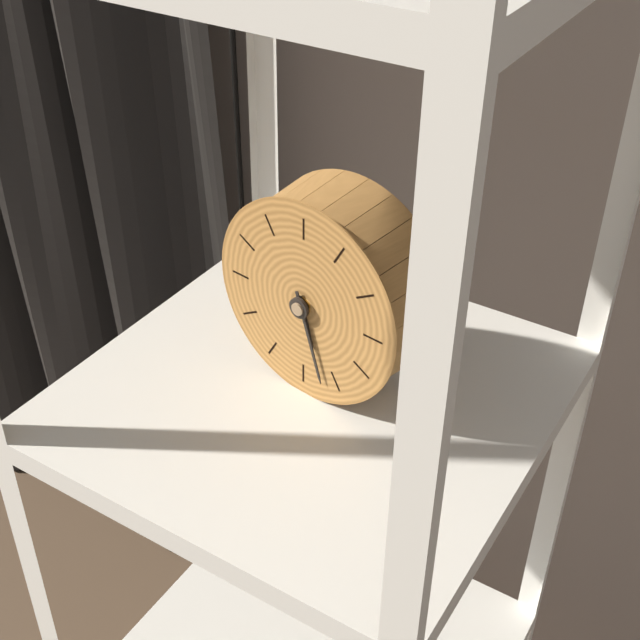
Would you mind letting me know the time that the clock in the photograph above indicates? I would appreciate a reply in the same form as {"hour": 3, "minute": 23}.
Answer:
{"hour": 5, "minute": 27}
